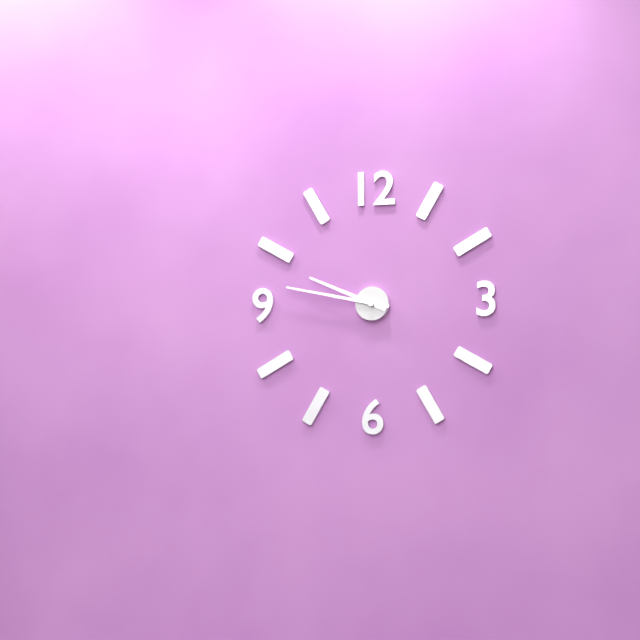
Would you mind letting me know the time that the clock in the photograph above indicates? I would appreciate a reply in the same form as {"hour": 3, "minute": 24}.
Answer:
{"hour": 9, "minute": 47}
